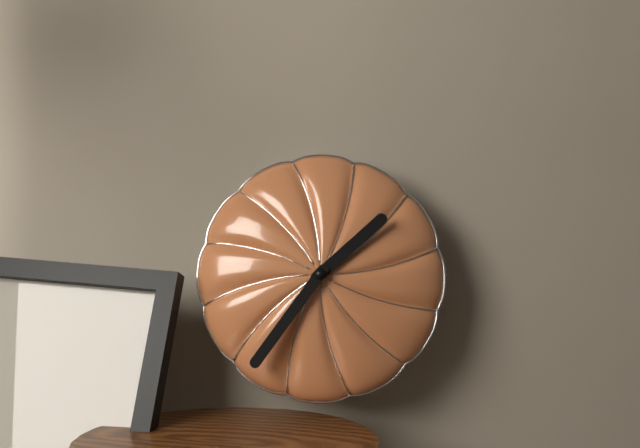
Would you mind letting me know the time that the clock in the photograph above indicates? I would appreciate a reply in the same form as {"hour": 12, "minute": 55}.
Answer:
{"hour": 1, "minute": 36}
